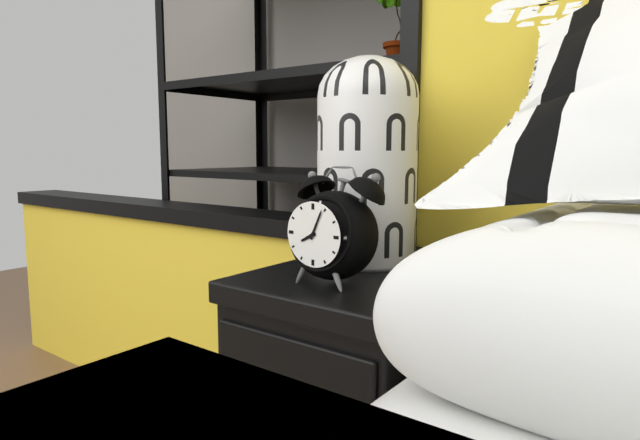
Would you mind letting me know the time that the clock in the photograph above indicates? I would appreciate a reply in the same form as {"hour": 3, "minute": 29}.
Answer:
{"hour": 8, "minute": 4}
